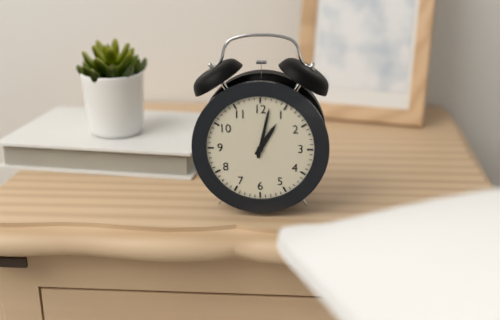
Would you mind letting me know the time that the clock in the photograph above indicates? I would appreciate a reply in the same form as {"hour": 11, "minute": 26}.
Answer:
{"hour": 1, "minute": 2}
